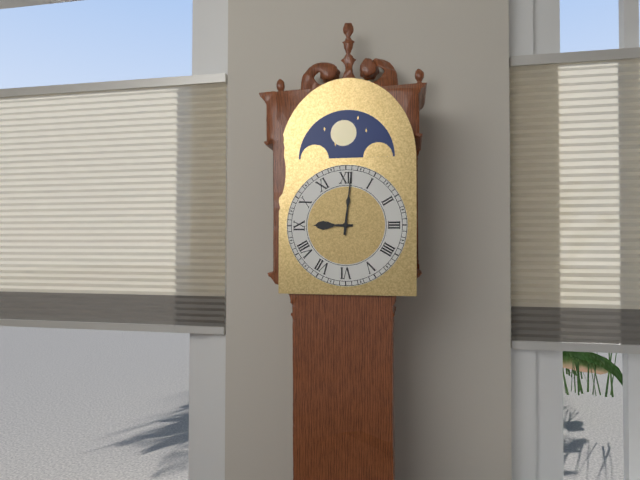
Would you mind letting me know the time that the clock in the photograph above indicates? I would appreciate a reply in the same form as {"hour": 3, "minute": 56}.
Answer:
{"hour": 9, "minute": 1}
